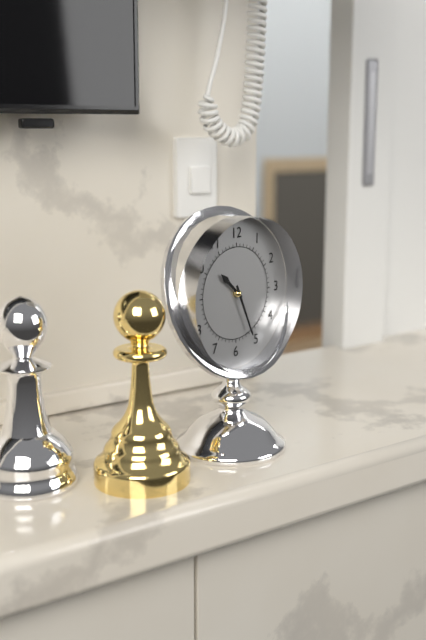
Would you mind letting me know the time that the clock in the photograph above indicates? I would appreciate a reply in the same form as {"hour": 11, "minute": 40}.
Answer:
{"hour": 10, "minute": 26}
